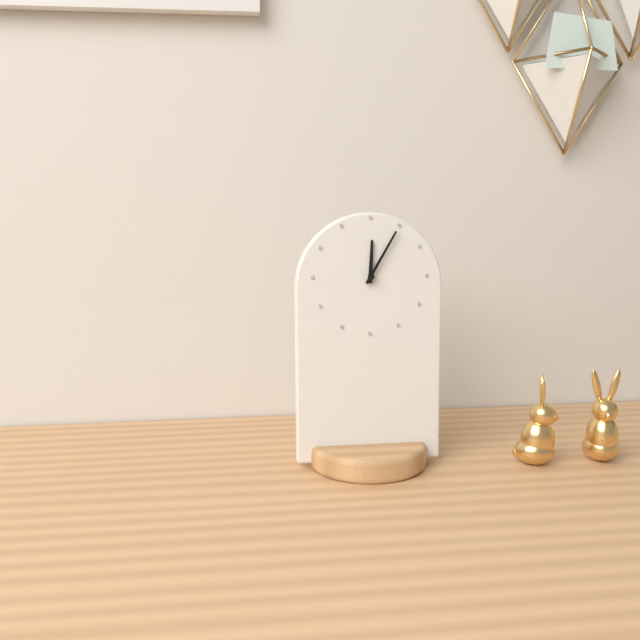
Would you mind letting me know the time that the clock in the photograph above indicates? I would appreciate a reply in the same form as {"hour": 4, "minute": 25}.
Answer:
{"hour": 12, "minute": 5}
